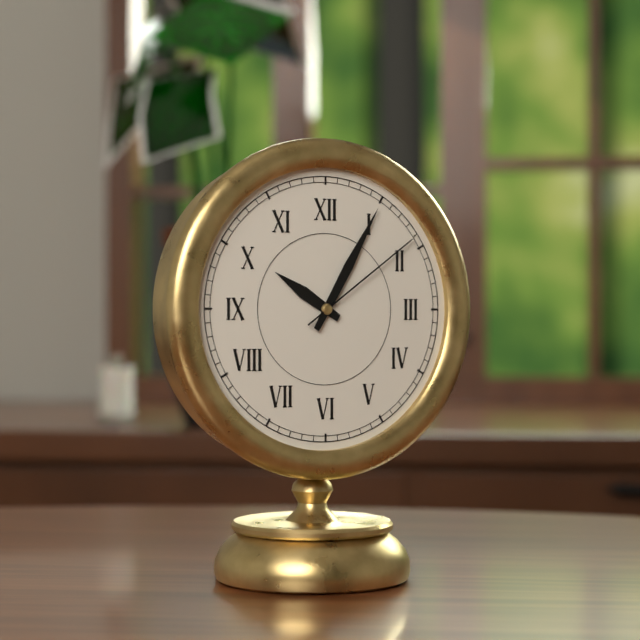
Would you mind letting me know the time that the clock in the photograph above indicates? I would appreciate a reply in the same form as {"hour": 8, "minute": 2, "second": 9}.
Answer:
{"hour": 10, "minute": 5, "second": 9}
